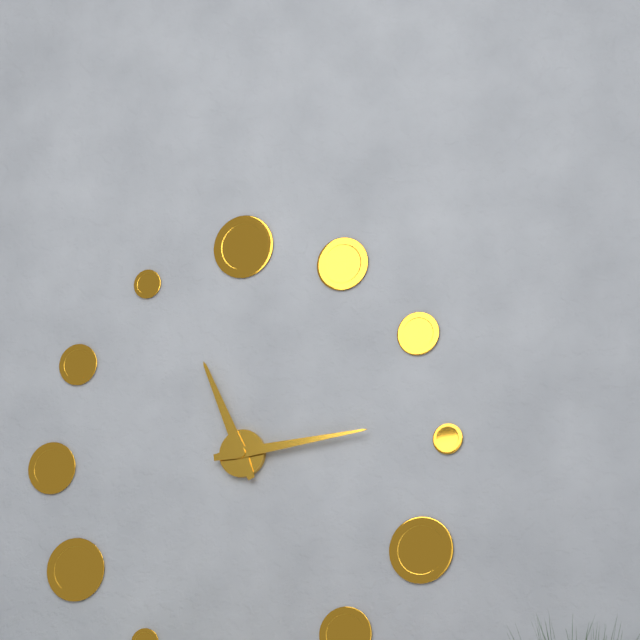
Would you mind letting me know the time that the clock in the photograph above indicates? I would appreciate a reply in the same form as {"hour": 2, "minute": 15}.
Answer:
{"hour": 11, "minute": 14}
